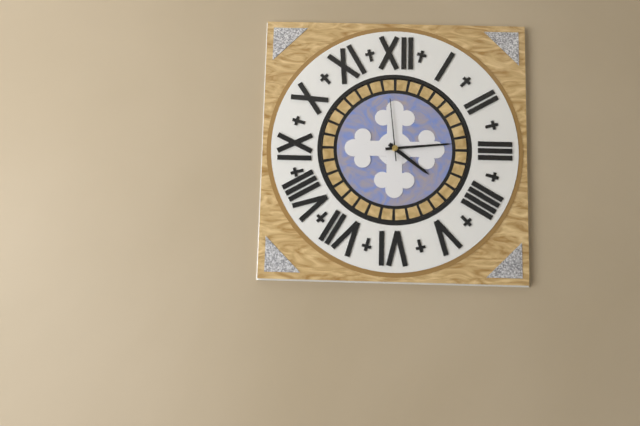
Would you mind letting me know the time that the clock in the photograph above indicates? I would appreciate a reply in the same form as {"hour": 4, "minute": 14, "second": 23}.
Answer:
{"hour": 4, "minute": 14, "second": 59}
